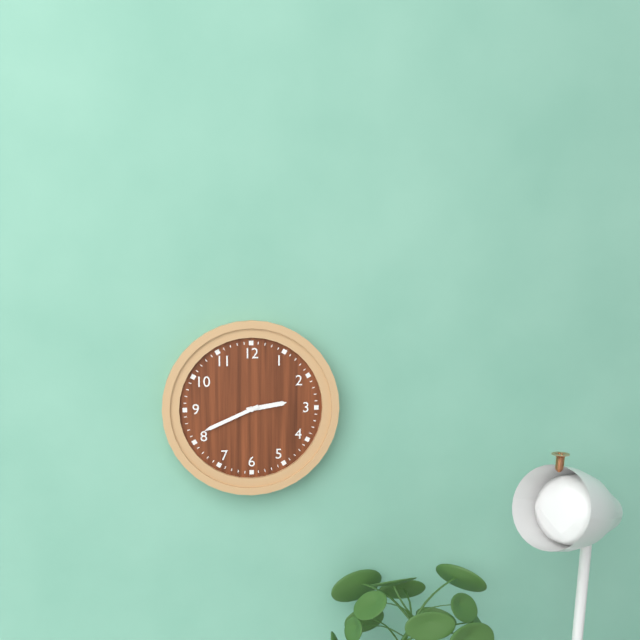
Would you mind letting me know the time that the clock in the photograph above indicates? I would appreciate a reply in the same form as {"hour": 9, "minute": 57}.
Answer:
{"hour": 2, "minute": 41}
